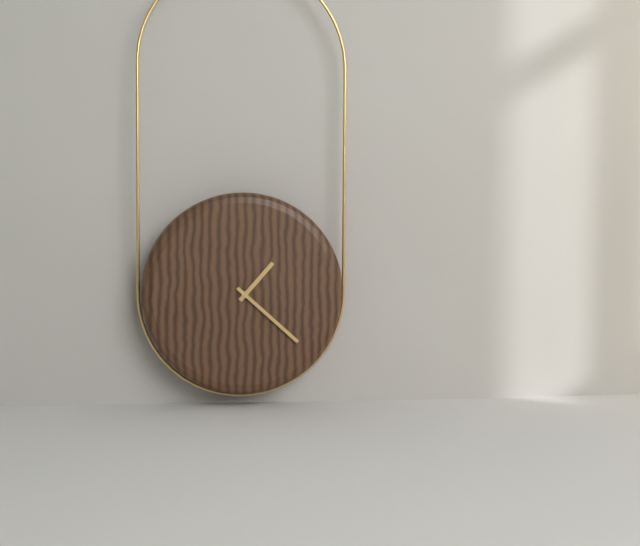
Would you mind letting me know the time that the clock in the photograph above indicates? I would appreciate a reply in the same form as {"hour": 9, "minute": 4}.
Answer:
{"hour": 1, "minute": 22}
